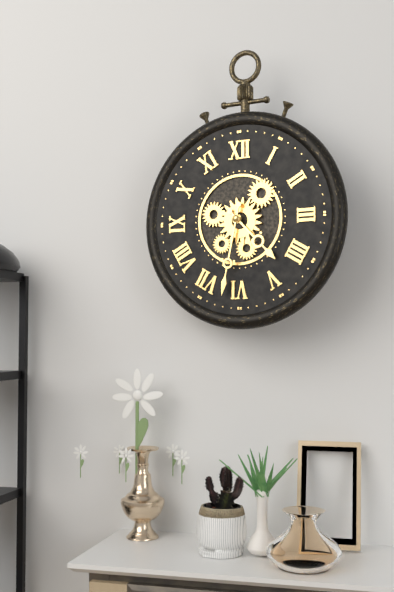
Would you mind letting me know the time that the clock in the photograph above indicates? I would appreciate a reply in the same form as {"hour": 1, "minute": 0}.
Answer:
{"hour": 4, "minute": 32}
